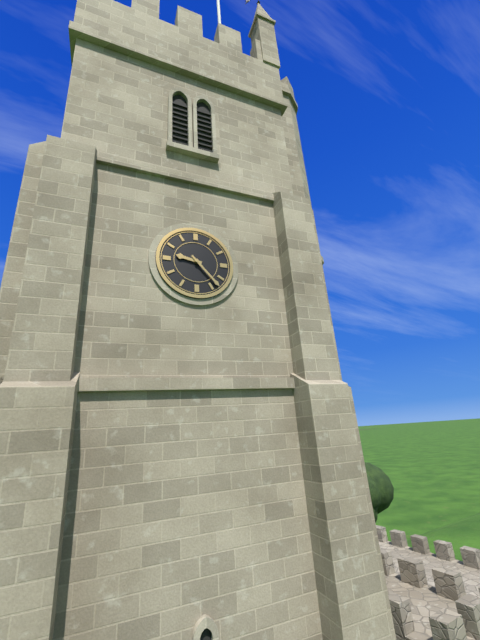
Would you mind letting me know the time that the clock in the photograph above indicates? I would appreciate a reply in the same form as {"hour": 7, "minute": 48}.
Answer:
{"hour": 9, "minute": 23}
